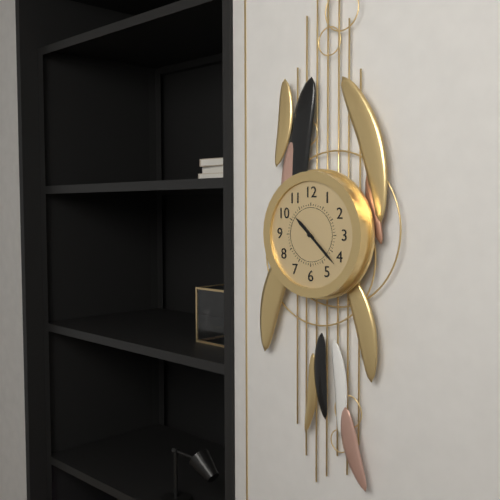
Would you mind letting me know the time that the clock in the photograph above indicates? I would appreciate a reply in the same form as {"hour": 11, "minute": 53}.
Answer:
{"hour": 10, "minute": 22}
